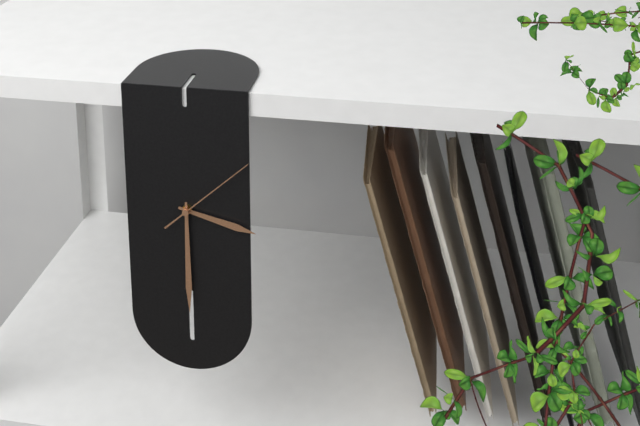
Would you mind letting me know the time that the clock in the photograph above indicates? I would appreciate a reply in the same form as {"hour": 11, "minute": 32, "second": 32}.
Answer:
{"hour": 3, "minute": 30, "second": 8}
